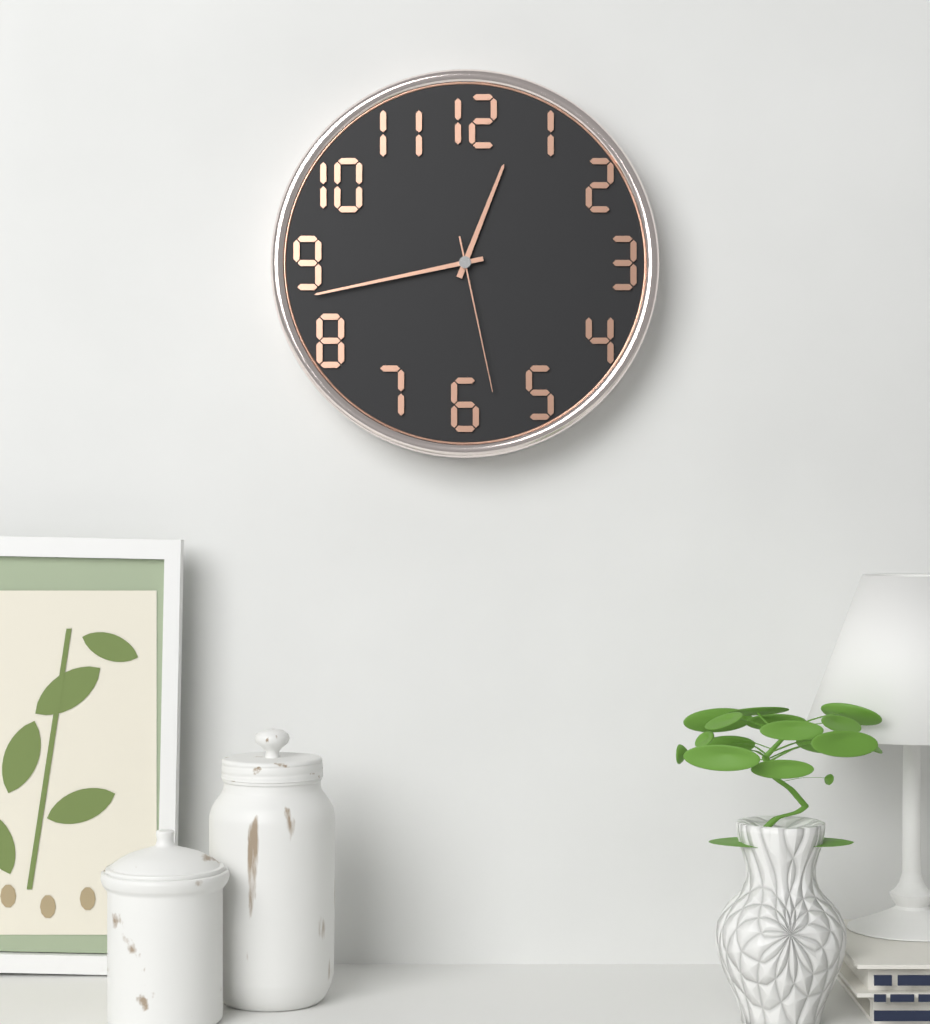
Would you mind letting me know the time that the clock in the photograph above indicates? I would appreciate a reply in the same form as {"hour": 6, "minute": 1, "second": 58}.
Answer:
{"hour": 12, "minute": 43, "second": 28}
